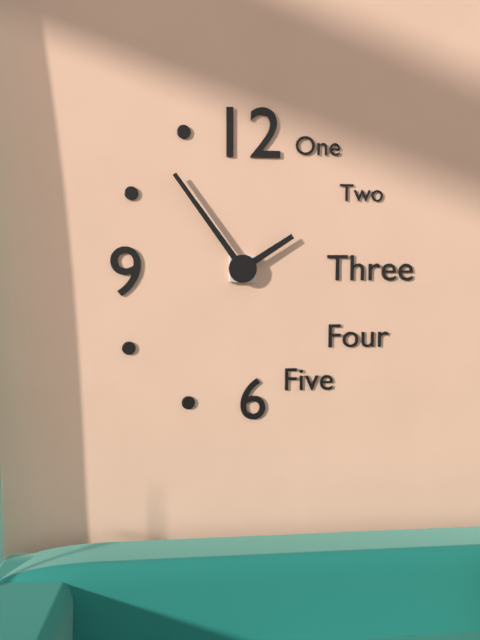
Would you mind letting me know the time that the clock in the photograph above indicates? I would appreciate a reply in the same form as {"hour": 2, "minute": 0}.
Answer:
{"hour": 1, "minute": 54}
